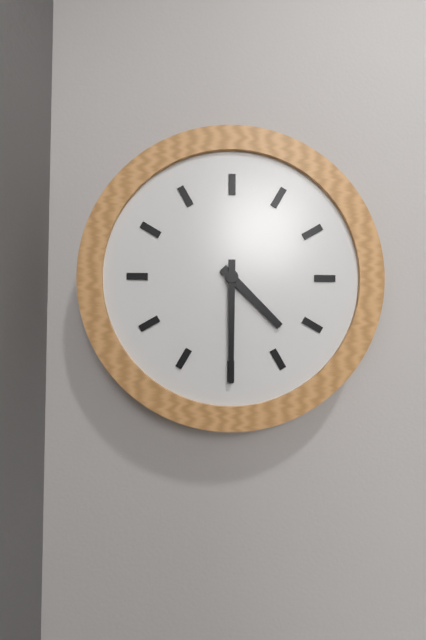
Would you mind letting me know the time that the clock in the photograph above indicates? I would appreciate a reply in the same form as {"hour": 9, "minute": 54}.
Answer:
{"hour": 4, "minute": 30}
